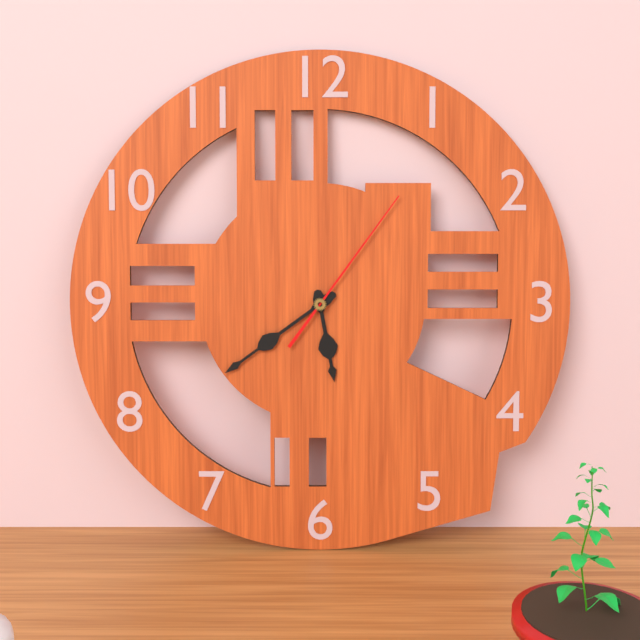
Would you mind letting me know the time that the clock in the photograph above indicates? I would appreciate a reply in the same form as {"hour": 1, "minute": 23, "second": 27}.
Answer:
{"hour": 5, "minute": 39, "second": 6}
